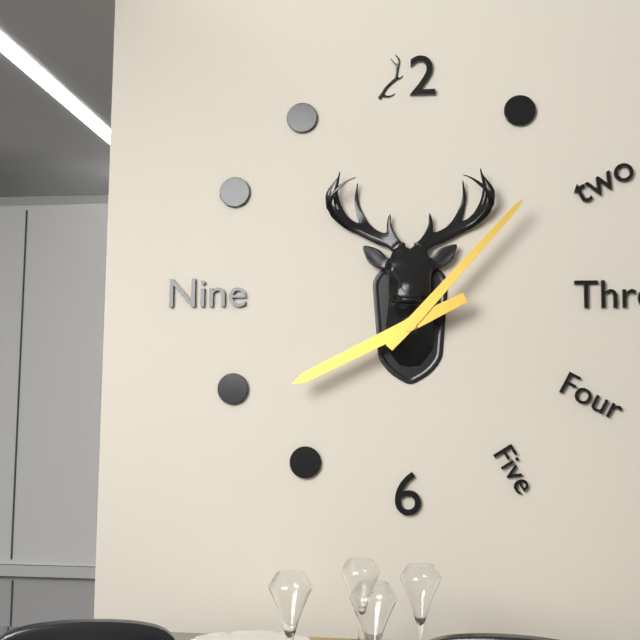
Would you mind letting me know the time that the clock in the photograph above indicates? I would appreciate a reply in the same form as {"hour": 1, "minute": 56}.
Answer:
{"hour": 8, "minute": 7}
